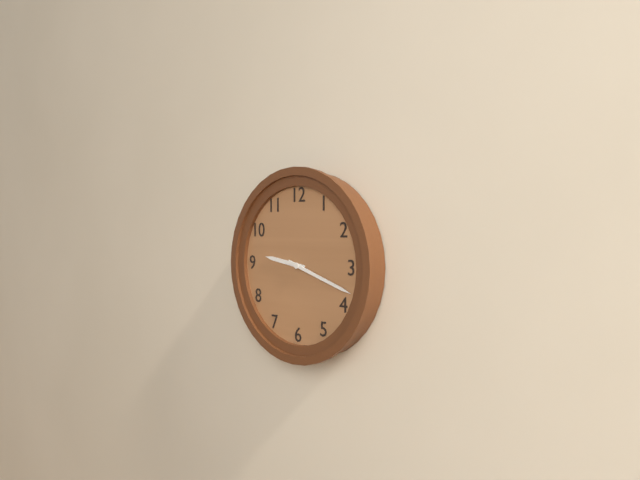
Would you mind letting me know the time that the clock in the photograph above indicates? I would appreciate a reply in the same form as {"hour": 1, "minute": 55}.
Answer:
{"hour": 9, "minute": 18}
